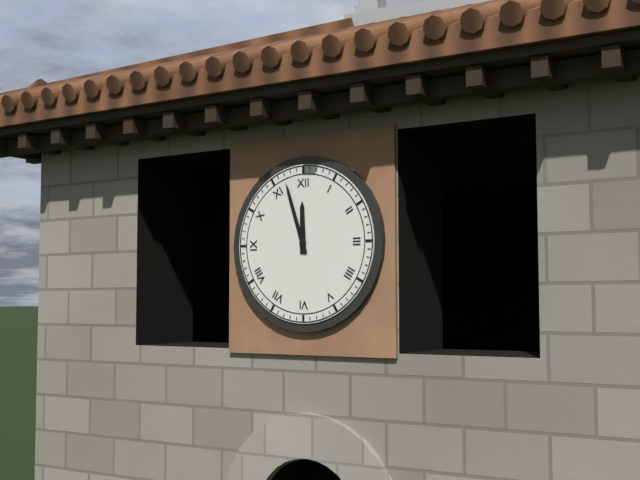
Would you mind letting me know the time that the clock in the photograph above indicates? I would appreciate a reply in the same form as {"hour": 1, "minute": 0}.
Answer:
{"hour": 11, "minute": 57}
